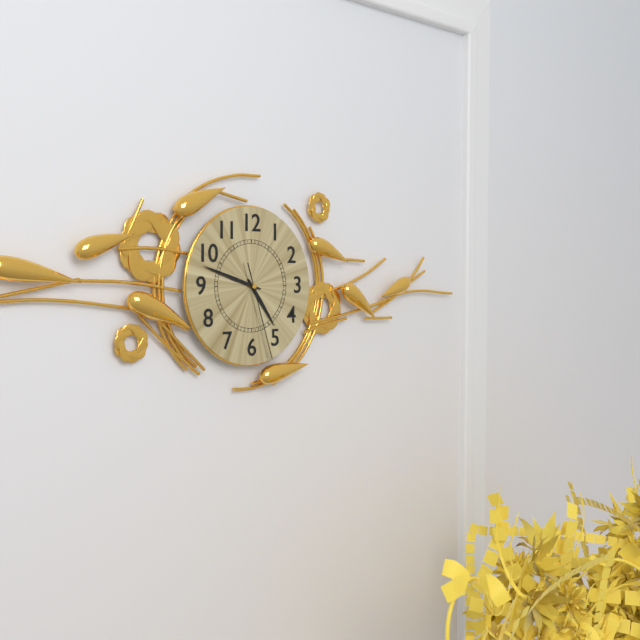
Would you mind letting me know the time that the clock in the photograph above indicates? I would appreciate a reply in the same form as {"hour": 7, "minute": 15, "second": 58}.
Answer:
{"hour": 4, "minute": 48, "second": 27}
